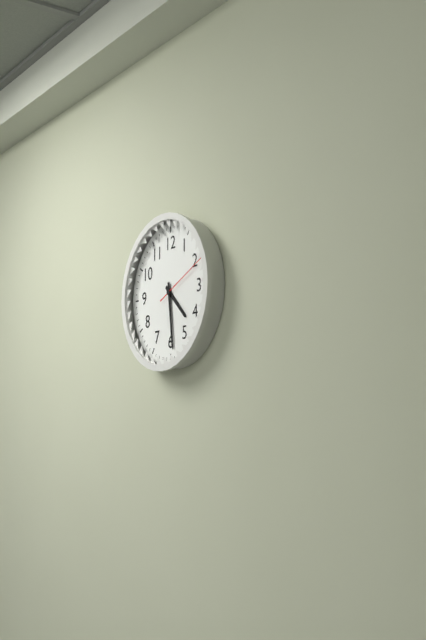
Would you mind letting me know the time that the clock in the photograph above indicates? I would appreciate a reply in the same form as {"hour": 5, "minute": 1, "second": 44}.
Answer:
{"hour": 4, "minute": 29, "second": 11}
